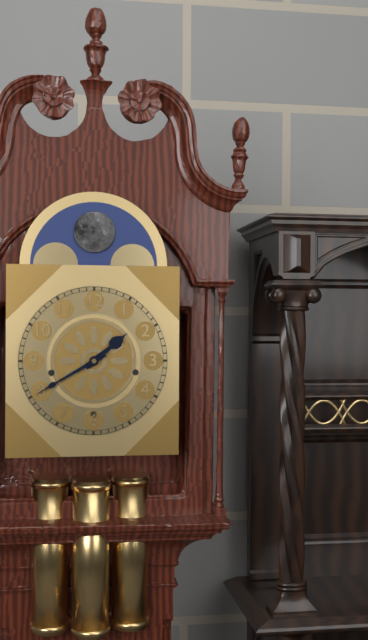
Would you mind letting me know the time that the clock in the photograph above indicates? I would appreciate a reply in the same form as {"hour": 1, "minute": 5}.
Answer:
{"hour": 1, "minute": 40}
